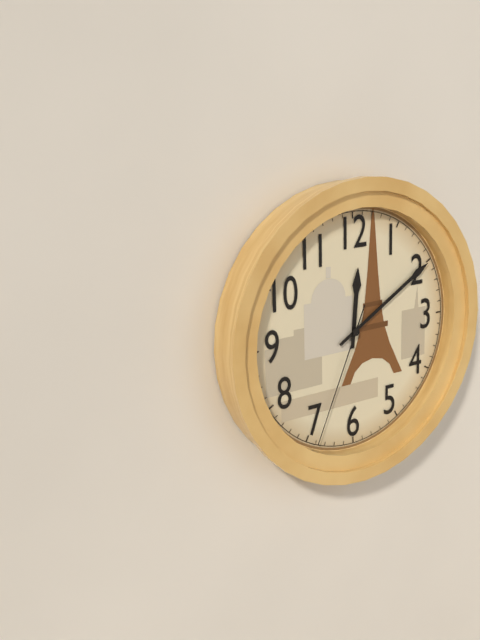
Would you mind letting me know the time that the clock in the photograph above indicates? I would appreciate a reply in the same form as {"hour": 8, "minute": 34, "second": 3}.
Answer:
{"hour": 12, "minute": 10, "second": 34}
